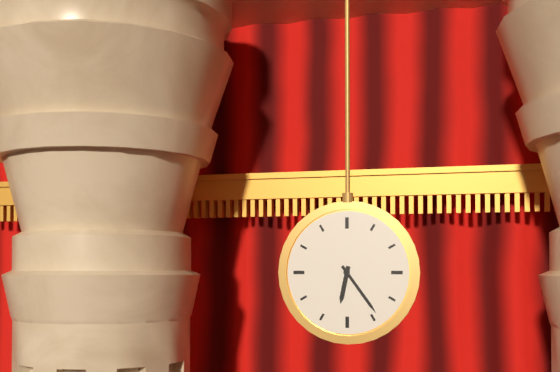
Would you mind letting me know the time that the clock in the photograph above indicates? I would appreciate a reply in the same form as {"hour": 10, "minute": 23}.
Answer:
{"hour": 6, "minute": 24}
